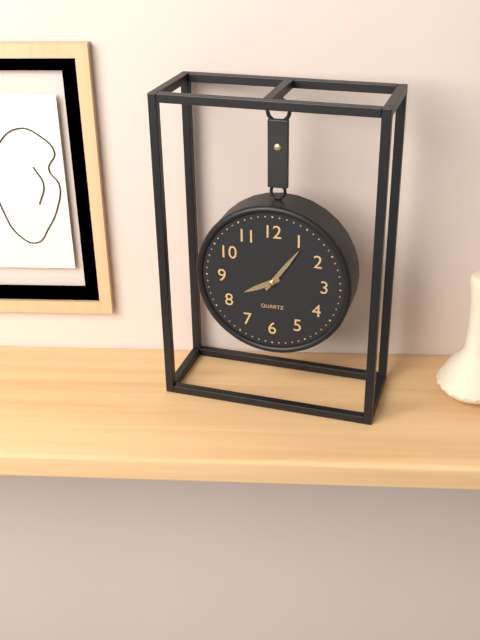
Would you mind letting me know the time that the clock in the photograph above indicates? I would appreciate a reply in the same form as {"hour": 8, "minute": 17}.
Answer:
{"hour": 8, "minute": 6}
